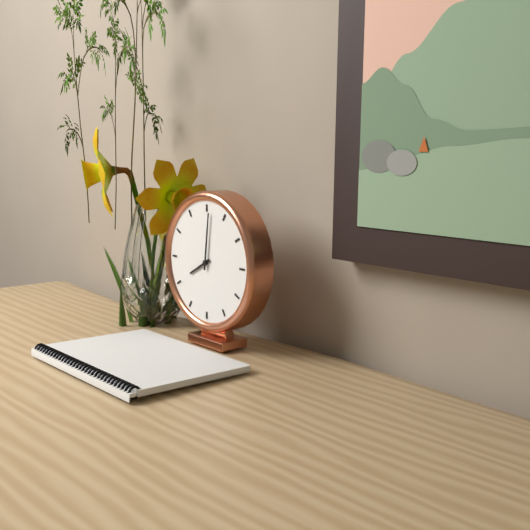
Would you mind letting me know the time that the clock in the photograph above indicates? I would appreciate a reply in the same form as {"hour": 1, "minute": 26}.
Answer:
{"hour": 8, "minute": 1}
